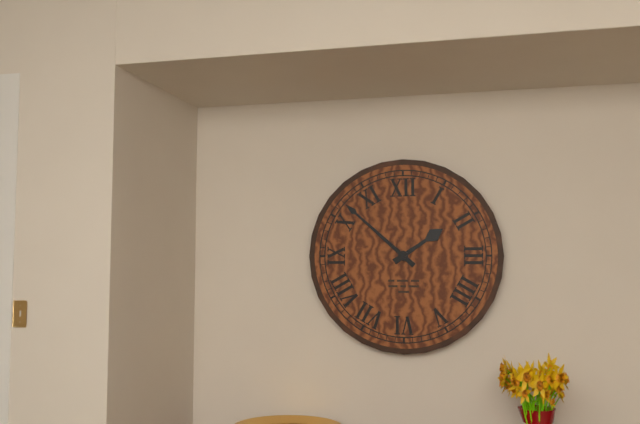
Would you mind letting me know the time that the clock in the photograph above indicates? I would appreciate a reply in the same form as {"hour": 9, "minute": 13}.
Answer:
{"hour": 1, "minute": 52}
